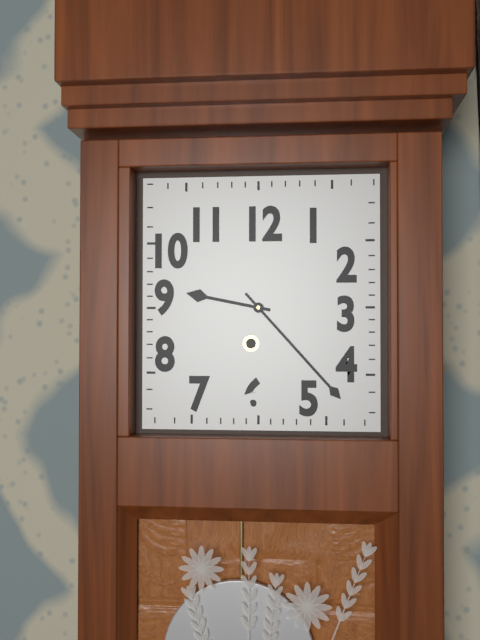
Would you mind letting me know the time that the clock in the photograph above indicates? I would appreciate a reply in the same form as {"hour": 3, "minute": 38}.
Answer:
{"hour": 9, "minute": 23}
